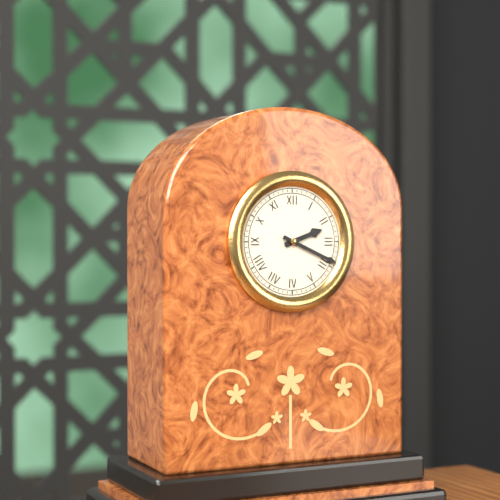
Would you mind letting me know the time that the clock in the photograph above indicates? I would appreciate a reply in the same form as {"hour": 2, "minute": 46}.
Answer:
{"hour": 2, "minute": 19}
